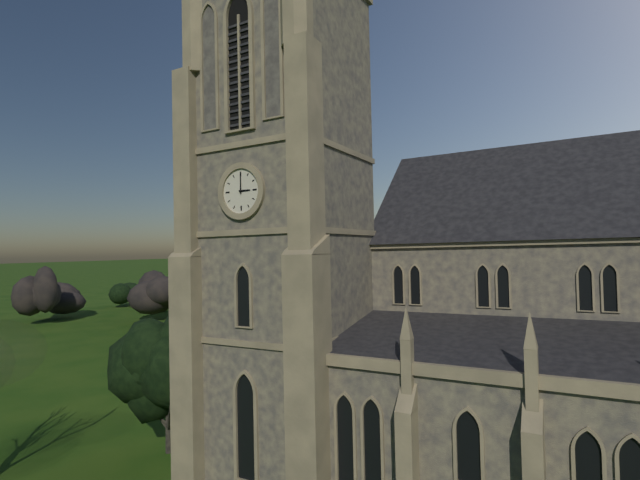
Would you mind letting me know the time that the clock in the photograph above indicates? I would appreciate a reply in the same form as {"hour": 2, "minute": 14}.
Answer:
{"hour": 3, "minute": 0}
